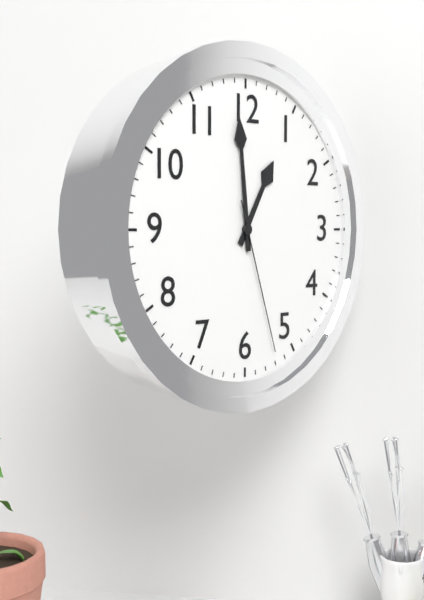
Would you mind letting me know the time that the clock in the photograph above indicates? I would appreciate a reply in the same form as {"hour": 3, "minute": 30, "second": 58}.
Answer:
{"hour": 12, "minute": 59, "second": 27}
